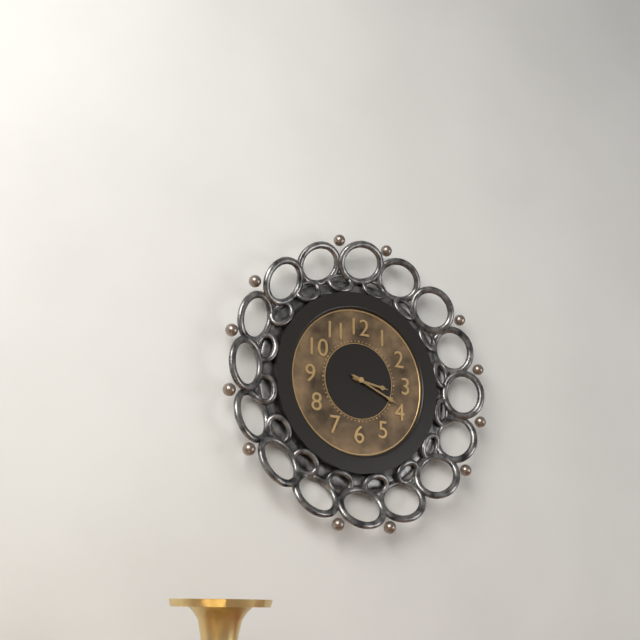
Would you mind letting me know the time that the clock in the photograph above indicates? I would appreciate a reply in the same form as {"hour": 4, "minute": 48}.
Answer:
{"hour": 3, "minute": 19}
